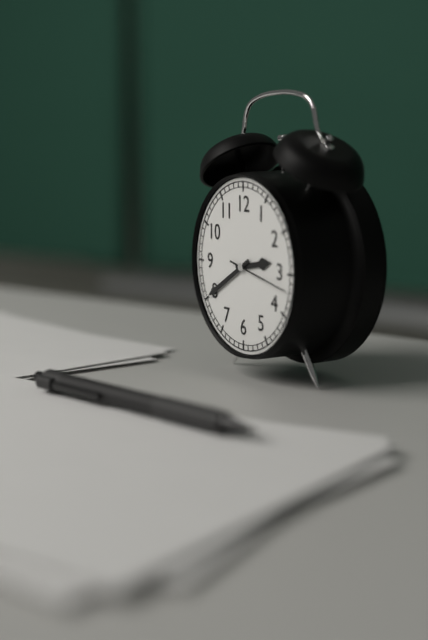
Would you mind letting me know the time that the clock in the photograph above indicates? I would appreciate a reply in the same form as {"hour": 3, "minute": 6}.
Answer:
{"hour": 2, "minute": 40}
